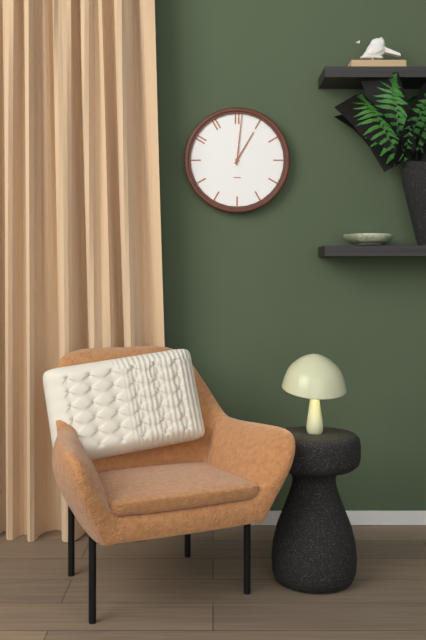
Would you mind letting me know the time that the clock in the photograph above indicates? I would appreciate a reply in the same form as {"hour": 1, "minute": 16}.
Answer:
{"hour": 1, "minute": 1}
